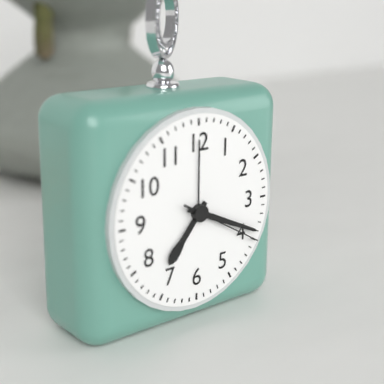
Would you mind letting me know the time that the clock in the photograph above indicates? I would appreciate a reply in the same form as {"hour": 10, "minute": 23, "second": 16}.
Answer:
{"hour": 7, "minute": 19, "second": 20}
